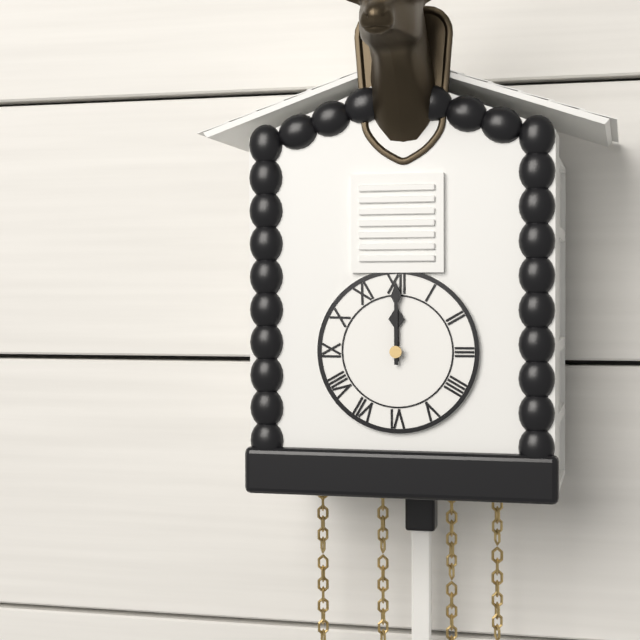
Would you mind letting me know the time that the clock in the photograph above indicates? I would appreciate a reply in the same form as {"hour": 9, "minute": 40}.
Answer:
{"hour": 12, "minute": 0}
